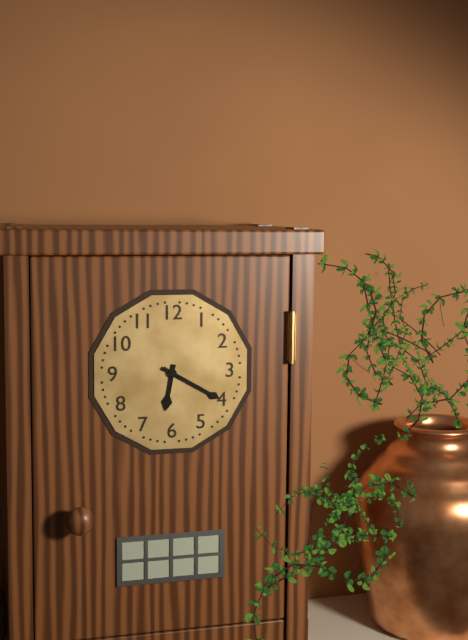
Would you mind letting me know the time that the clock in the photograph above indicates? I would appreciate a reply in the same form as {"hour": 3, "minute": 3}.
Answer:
{"hour": 6, "minute": 20}
